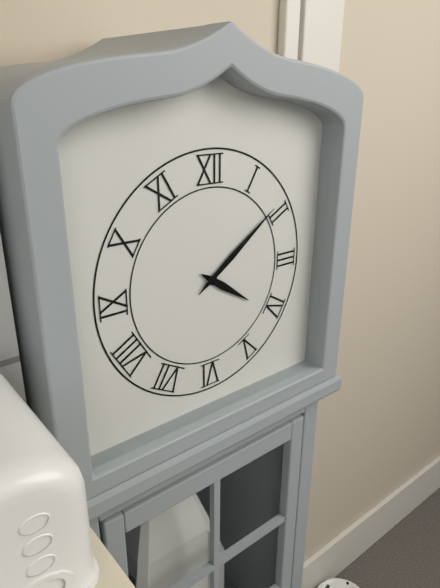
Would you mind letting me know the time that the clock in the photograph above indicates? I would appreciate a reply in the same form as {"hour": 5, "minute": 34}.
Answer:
{"hour": 4, "minute": 9}
